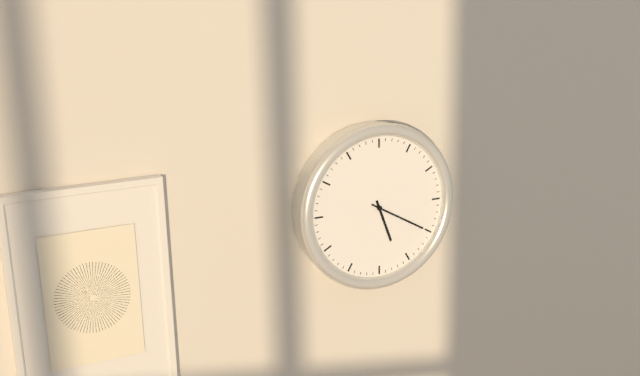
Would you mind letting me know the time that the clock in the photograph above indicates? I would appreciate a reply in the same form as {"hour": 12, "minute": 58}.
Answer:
{"hour": 5, "minute": 20}
